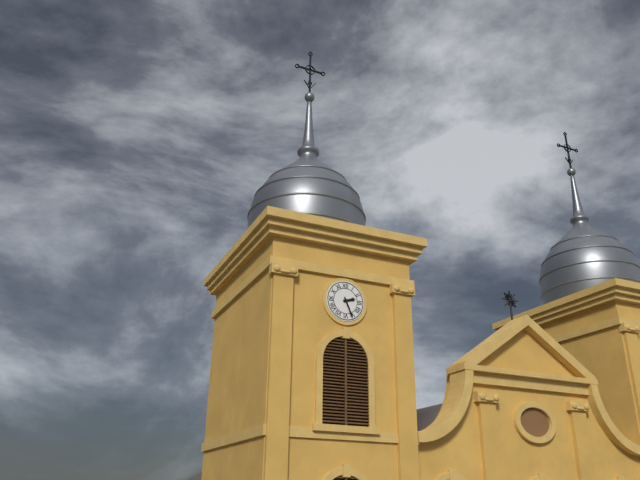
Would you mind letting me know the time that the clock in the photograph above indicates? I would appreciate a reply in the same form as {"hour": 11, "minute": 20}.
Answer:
{"hour": 2, "minute": 26}
